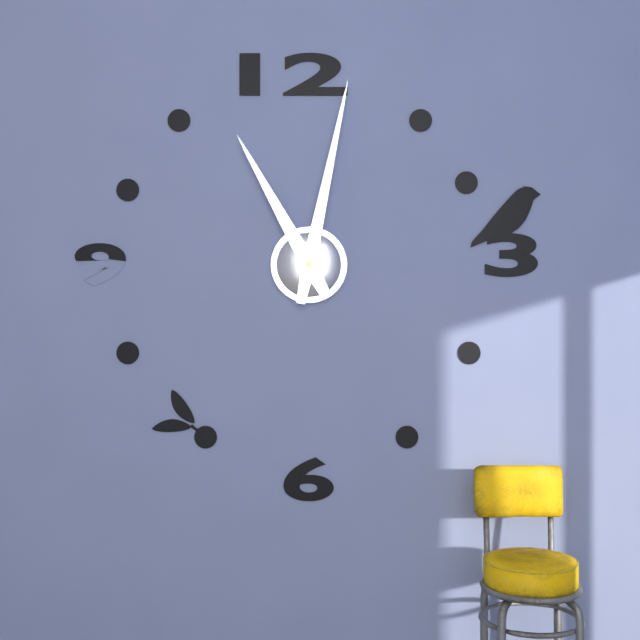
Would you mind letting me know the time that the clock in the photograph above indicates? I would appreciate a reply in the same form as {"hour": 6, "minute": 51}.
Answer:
{"hour": 11, "minute": 2}
